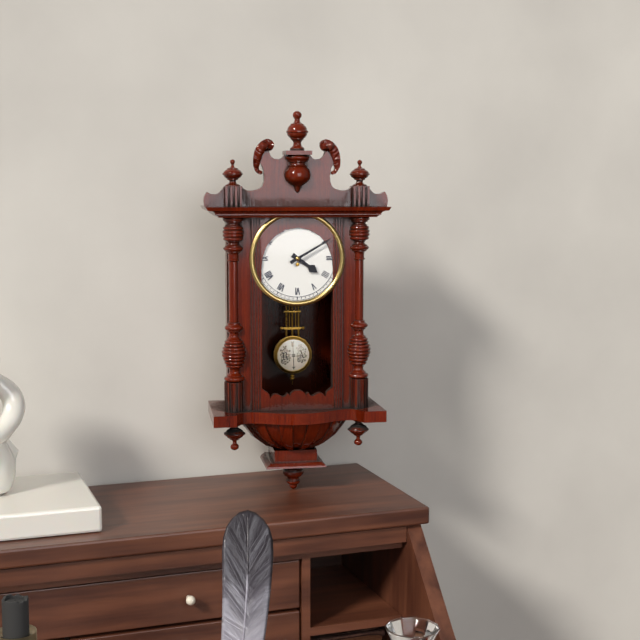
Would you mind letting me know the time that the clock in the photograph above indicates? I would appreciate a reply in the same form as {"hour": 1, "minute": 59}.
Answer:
{"hour": 4, "minute": 10}
